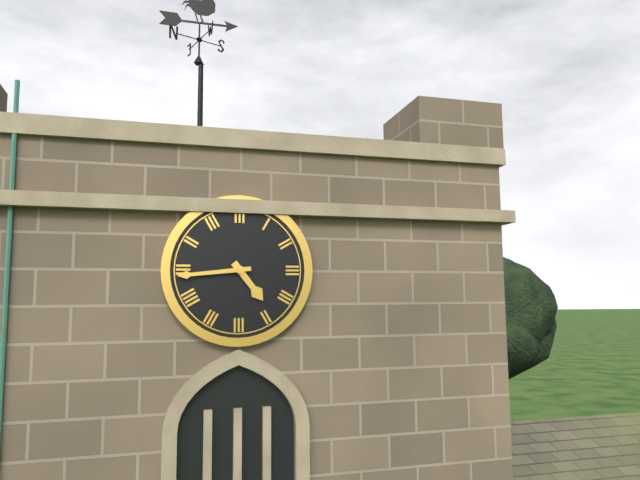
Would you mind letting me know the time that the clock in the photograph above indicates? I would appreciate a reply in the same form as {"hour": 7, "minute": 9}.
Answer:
{"hour": 4, "minute": 44}
